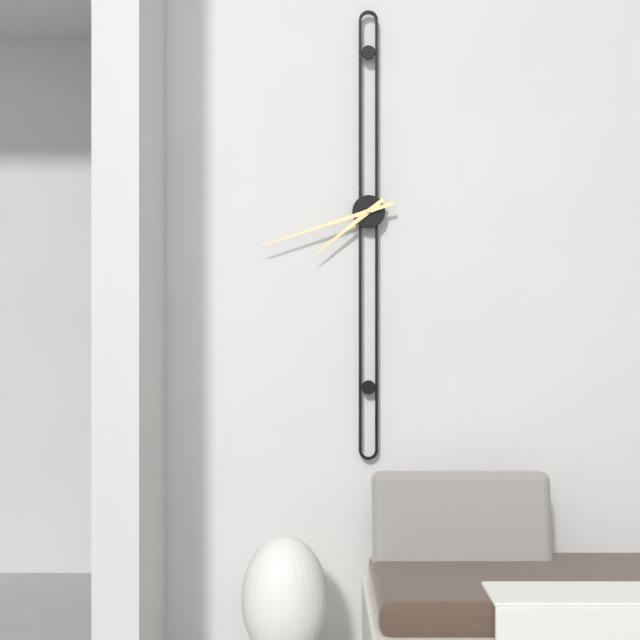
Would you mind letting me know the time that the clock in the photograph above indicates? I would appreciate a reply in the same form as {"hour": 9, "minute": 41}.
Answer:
{"hour": 7, "minute": 42}
